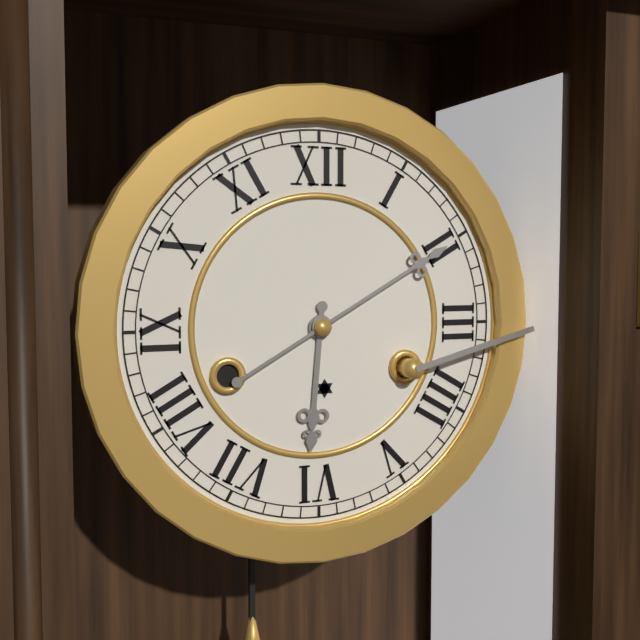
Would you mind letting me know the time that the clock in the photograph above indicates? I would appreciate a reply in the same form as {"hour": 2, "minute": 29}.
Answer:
{"hour": 6, "minute": 10}
